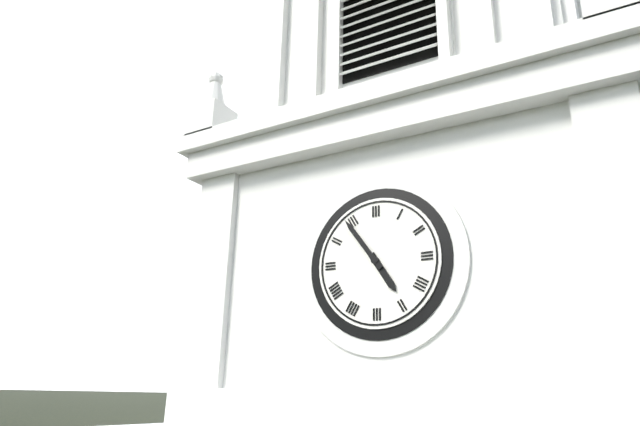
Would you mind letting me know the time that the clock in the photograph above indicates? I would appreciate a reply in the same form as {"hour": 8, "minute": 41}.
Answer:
{"hour": 4, "minute": 54}
